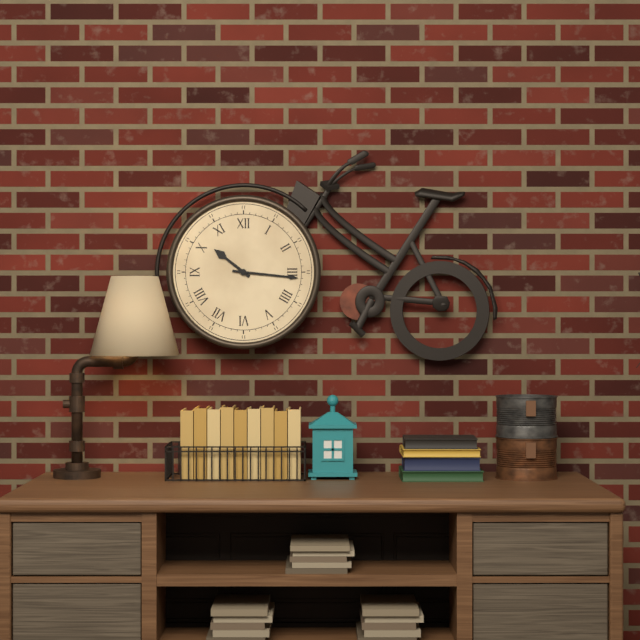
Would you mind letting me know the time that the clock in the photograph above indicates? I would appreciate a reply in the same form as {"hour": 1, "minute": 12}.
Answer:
{"hour": 10, "minute": 16}
